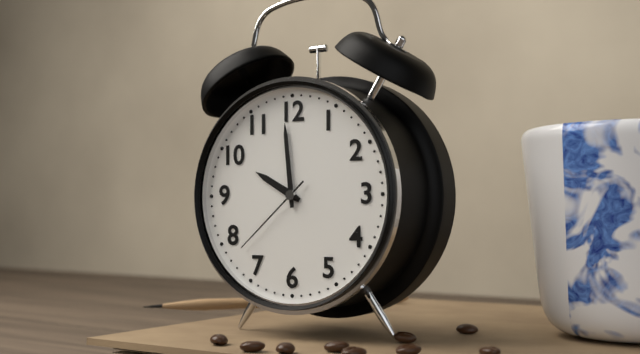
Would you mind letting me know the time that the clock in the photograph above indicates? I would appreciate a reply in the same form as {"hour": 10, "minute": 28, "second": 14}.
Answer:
{"hour": 9, "minute": 59, "second": 38}
